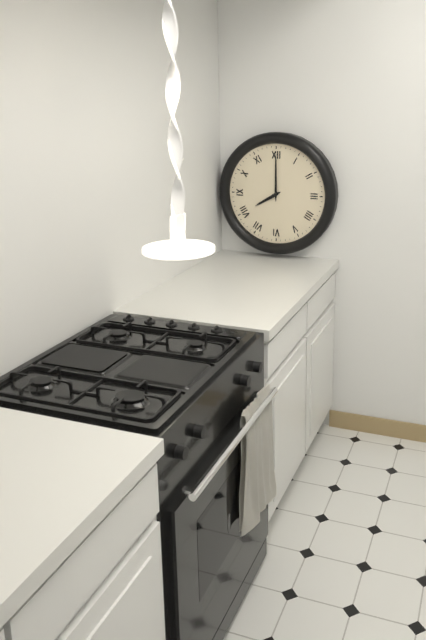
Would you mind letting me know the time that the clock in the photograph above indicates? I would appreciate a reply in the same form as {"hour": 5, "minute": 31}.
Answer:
{"hour": 8, "minute": 0}
